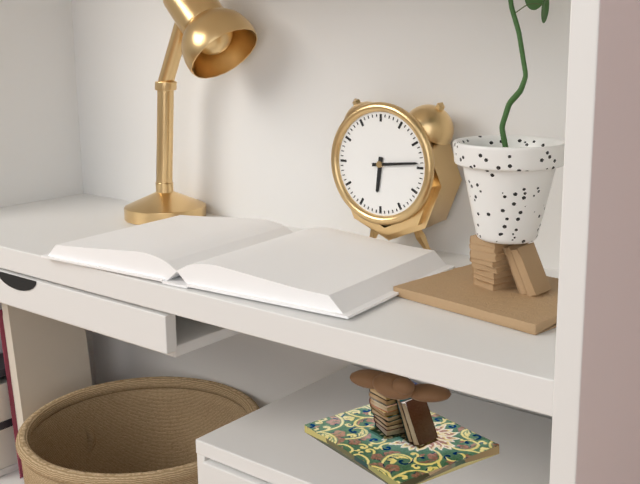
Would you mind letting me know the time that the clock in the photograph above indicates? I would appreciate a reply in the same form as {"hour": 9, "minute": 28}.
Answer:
{"hour": 6, "minute": 14}
